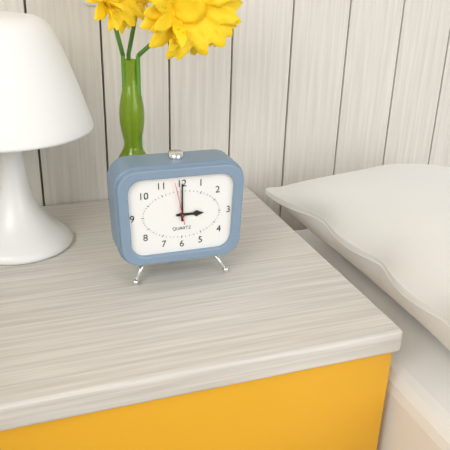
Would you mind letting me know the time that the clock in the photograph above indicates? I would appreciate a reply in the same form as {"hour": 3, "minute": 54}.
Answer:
{"hour": 3, "minute": 0}
